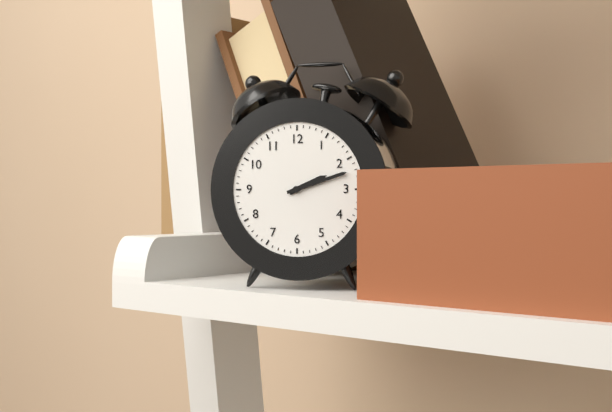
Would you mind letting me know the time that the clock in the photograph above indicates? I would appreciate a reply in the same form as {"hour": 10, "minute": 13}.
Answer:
{"hour": 2, "minute": 12}
